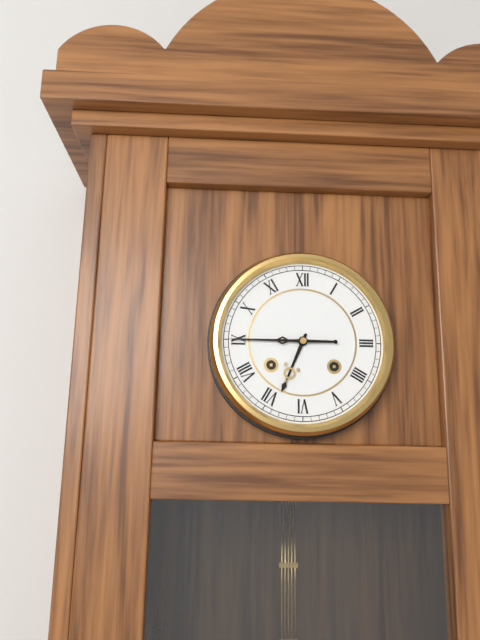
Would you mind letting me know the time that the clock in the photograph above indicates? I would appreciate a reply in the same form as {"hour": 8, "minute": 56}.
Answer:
{"hour": 6, "minute": 45}
